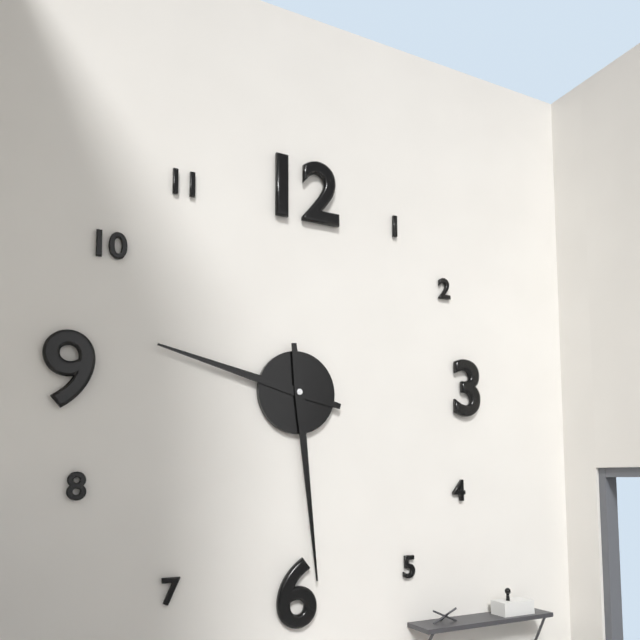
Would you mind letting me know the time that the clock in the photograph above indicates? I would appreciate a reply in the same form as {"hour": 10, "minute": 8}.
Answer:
{"hour": 9, "minute": 29}
